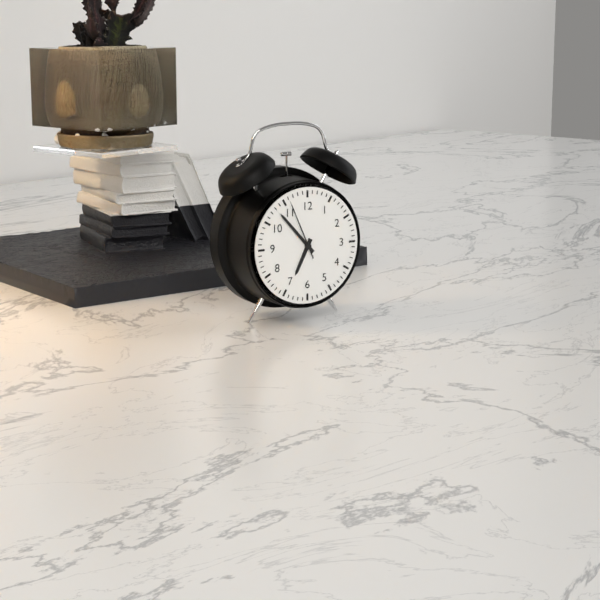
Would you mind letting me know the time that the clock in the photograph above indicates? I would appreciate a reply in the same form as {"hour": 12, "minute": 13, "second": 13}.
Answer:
{"hour": 6, "minute": 53, "second": 56}
